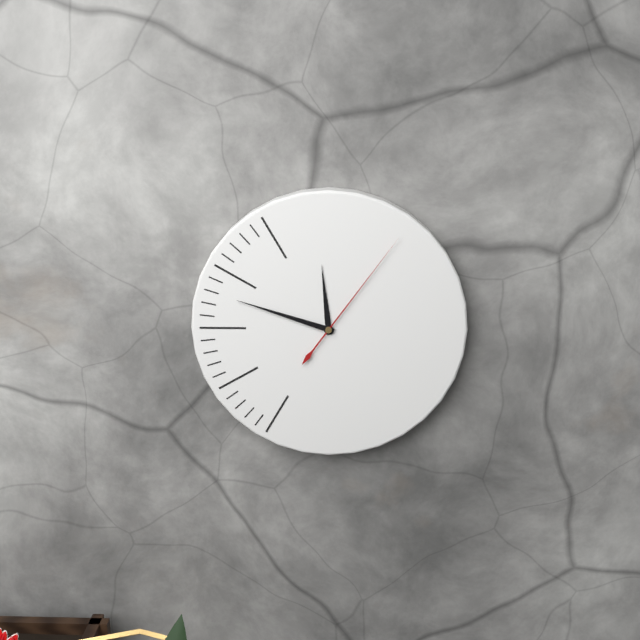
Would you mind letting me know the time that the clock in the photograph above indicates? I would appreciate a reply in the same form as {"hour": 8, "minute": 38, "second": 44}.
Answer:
{"hour": 11, "minute": 48, "second": 6}
